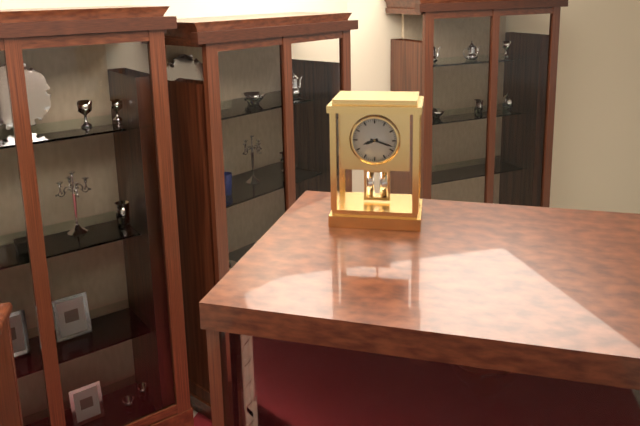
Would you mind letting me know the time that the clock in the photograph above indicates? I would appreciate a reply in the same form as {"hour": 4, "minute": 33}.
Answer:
{"hour": 8, "minute": 18}
